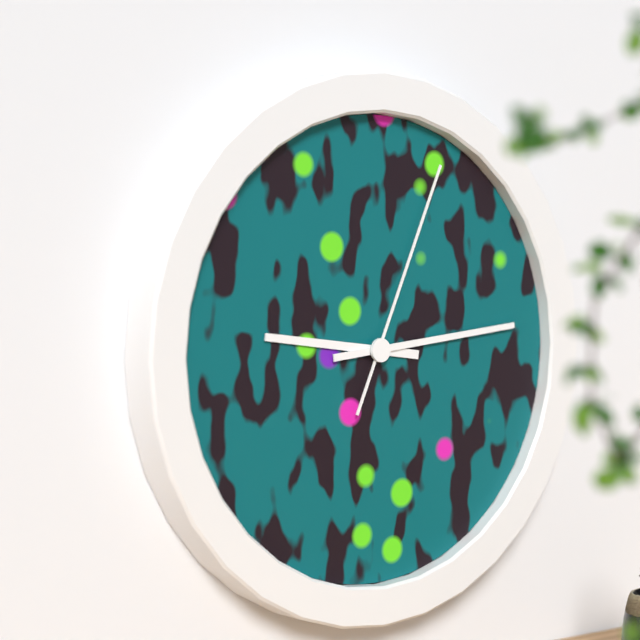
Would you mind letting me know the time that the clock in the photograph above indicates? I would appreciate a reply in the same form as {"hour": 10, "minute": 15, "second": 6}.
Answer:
{"hour": 9, "minute": 14, "second": 4}
